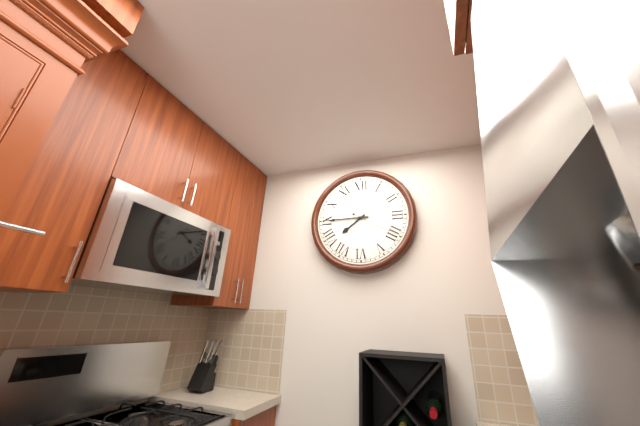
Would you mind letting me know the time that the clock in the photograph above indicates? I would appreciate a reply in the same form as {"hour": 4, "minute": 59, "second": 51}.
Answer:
{"hour": 7, "minute": 45, "second": 20}
